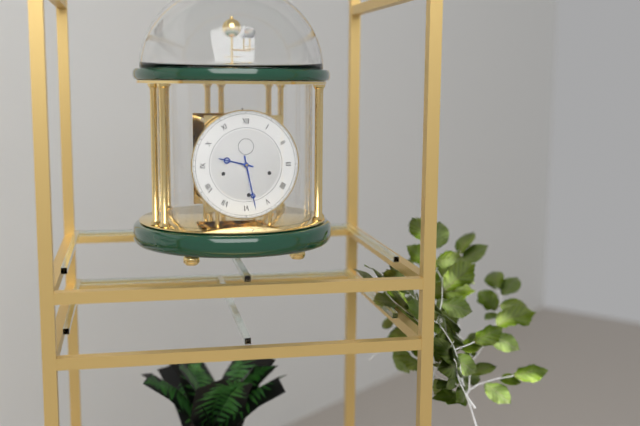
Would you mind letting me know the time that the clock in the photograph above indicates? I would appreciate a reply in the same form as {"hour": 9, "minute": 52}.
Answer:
{"hour": 9, "minute": 28}
